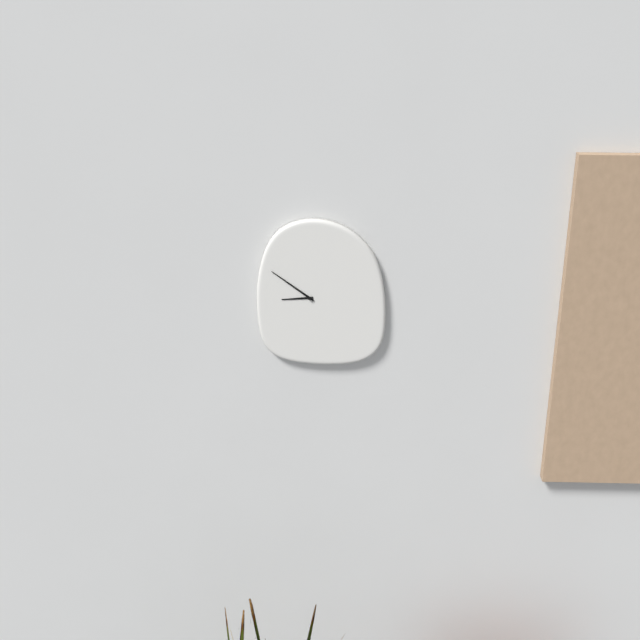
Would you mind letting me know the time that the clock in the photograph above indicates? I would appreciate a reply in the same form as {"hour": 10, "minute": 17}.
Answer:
{"hour": 8, "minute": 51}
